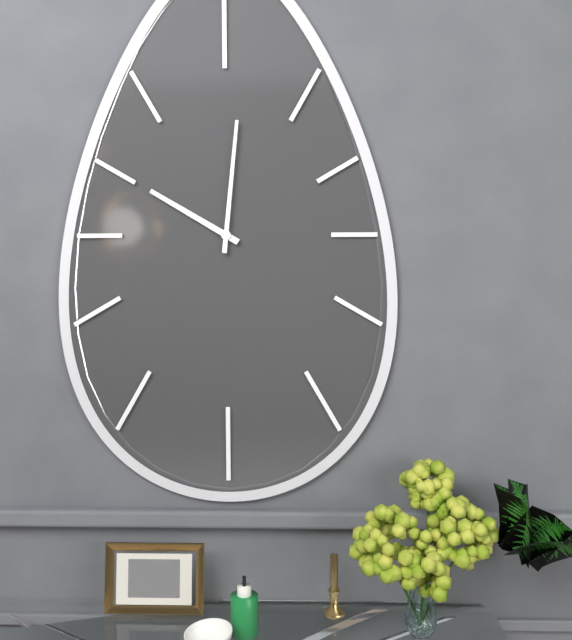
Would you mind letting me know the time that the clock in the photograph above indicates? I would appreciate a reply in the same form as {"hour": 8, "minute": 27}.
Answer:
{"hour": 10, "minute": 1}
